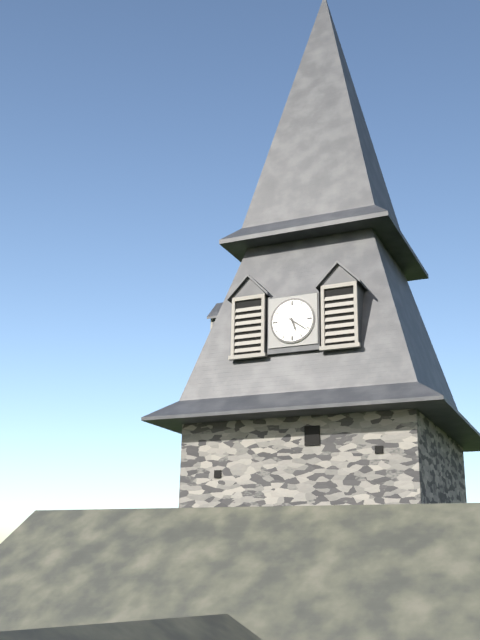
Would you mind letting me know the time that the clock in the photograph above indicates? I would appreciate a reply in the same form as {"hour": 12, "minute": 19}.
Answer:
{"hour": 5, "minute": 21}
